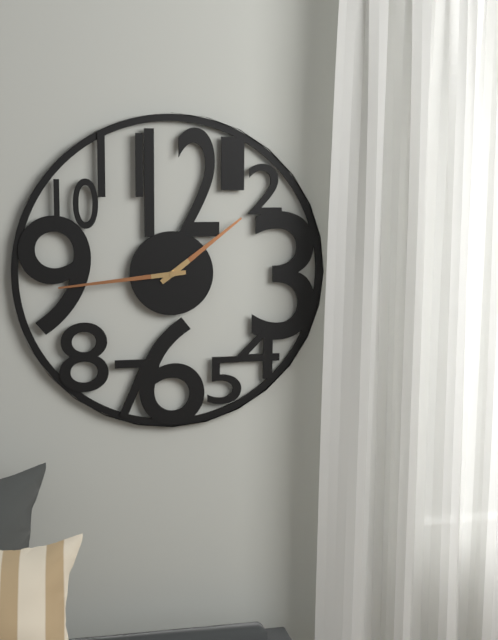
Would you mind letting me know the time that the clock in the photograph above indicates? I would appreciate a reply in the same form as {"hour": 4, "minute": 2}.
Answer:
{"hour": 1, "minute": 44}
